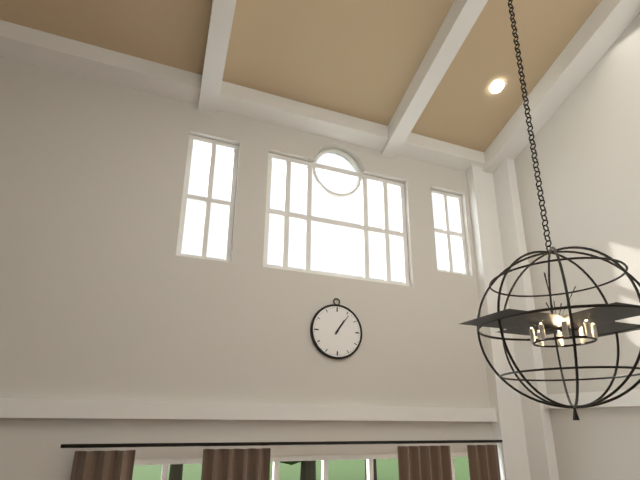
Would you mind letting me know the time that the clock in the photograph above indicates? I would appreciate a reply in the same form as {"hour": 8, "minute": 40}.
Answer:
{"hour": 1, "minute": 6}
